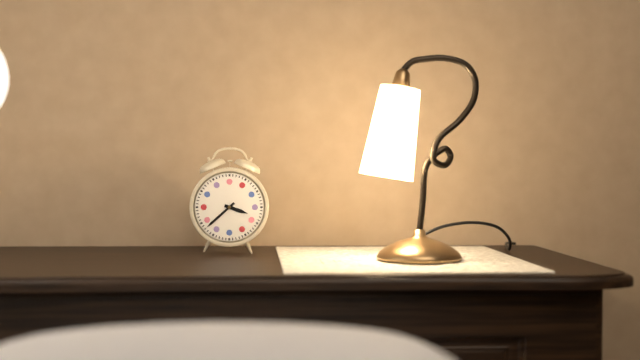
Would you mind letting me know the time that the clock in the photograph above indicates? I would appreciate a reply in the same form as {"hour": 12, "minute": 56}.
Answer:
{"hour": 3, "minute": 38}
